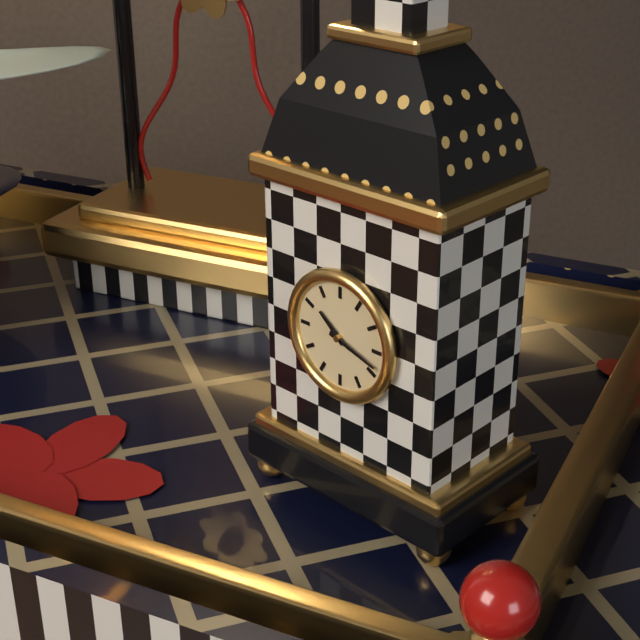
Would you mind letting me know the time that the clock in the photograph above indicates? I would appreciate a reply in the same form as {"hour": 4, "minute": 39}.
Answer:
{"hour": 10, "minute": 18}
